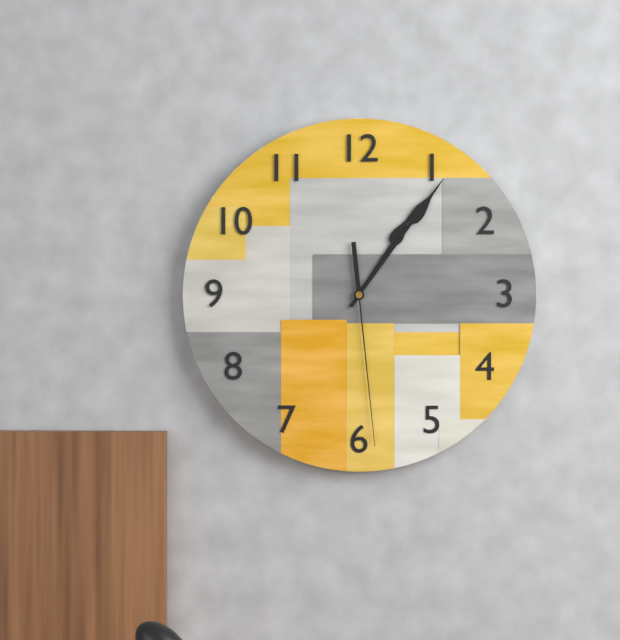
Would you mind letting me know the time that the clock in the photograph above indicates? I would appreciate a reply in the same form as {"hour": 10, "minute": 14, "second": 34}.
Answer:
{"hour": 1, "minute": 6, "second": 29}
